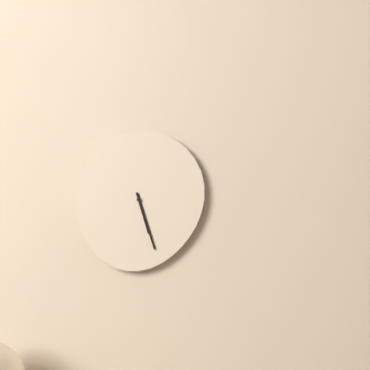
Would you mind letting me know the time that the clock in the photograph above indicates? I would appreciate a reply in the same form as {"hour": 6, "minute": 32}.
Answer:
{"hour": 5, "minute": 27}
